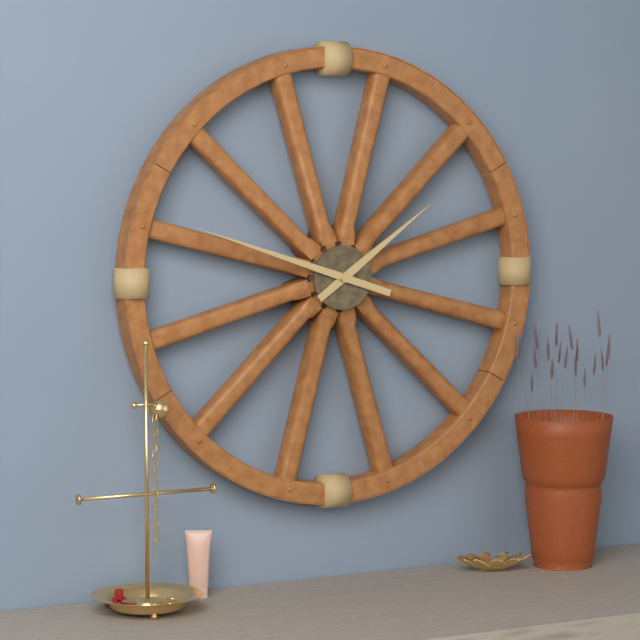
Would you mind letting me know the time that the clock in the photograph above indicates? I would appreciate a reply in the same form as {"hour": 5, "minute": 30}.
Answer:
{"hour": 1, "minute": 48}
